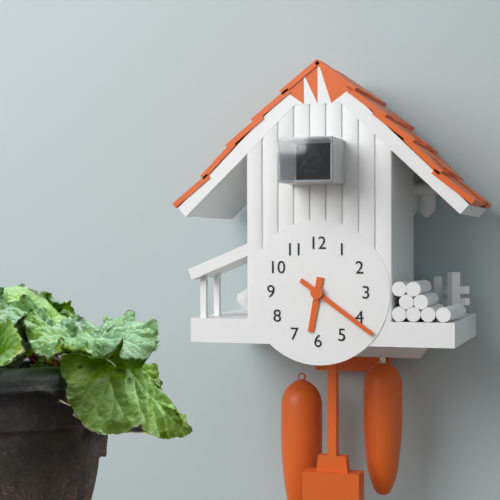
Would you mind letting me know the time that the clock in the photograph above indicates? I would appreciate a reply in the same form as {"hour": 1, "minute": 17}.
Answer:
{"hour": 6, "minute": 21}
